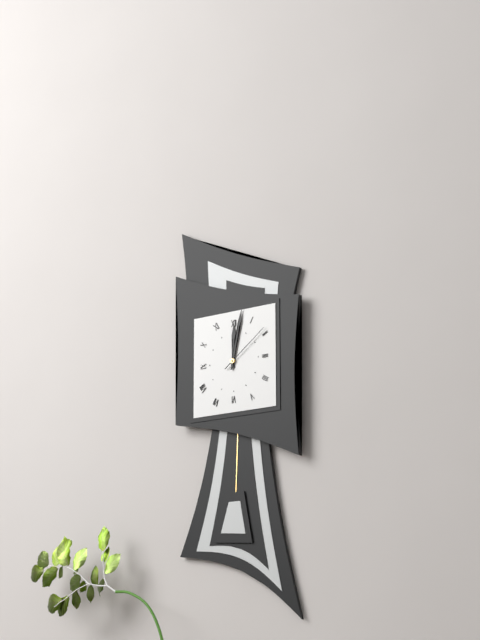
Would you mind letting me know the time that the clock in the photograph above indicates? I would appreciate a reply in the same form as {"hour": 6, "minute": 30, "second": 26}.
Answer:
{"hour": 12, "minute": 2, "second": 9}
